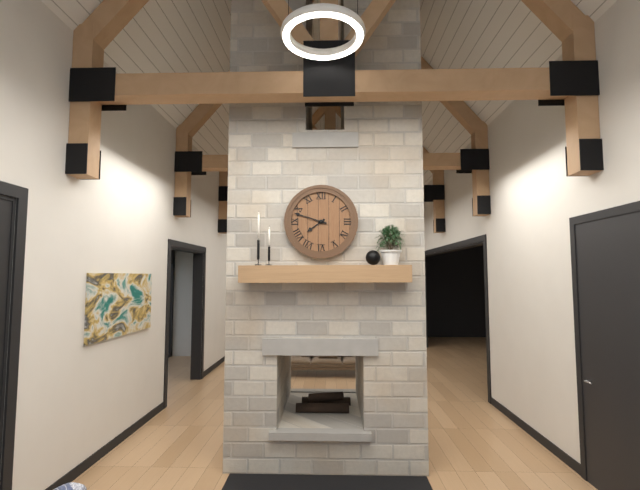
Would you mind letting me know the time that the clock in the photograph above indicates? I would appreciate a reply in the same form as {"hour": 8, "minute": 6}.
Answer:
{"hour": 7, "minute": 48}
